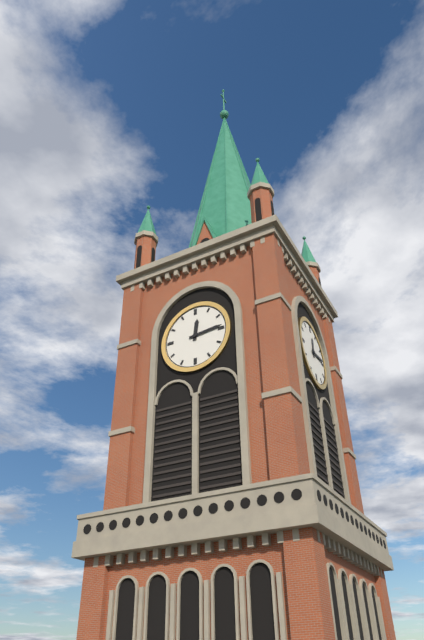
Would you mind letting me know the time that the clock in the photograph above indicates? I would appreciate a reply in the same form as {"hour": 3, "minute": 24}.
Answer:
{"hour": 12, "minute": 14}
